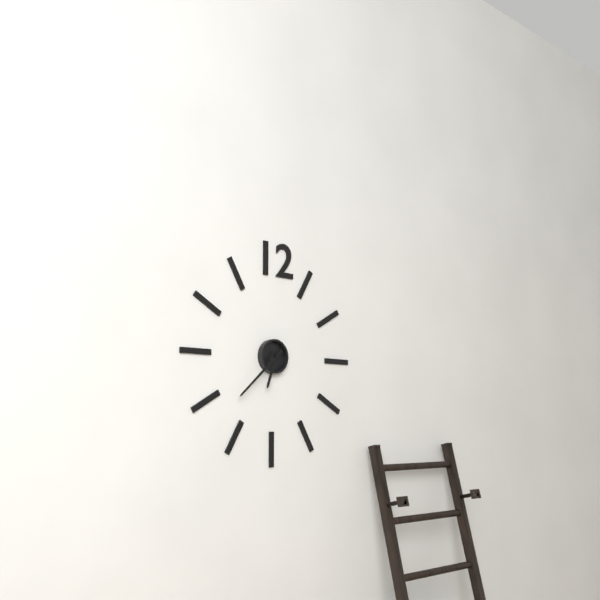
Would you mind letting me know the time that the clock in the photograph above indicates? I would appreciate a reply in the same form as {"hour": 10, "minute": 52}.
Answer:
{"hour": 6, "minute": 38}
